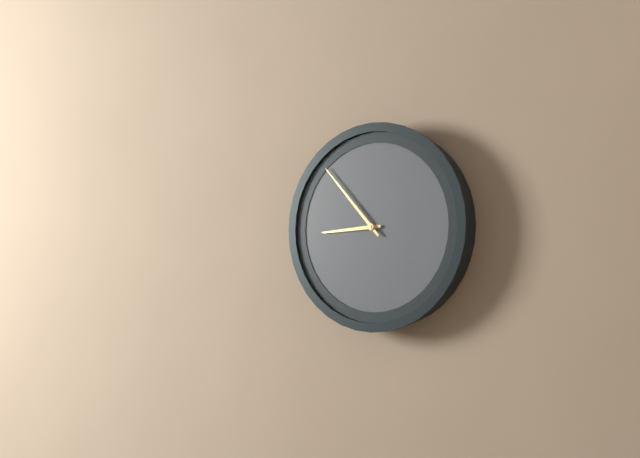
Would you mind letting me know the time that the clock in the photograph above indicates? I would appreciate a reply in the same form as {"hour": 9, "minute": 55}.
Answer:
{"hour": 8, "minute": 53}
